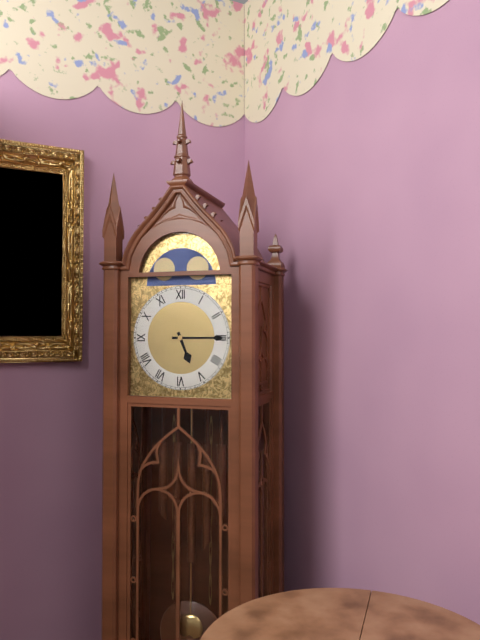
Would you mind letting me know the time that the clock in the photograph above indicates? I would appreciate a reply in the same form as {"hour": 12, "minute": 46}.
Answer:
{"hour": 5, "minute": 15}
